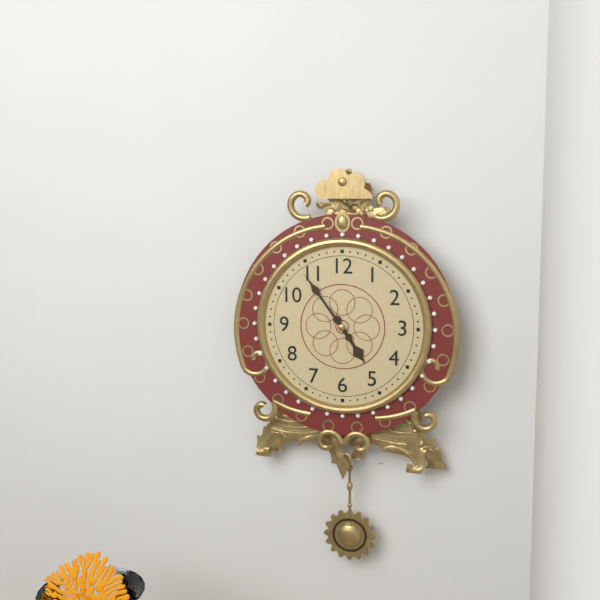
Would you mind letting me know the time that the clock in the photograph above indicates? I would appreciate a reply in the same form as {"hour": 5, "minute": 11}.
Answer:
{"hour": 4, "minute": 54}
